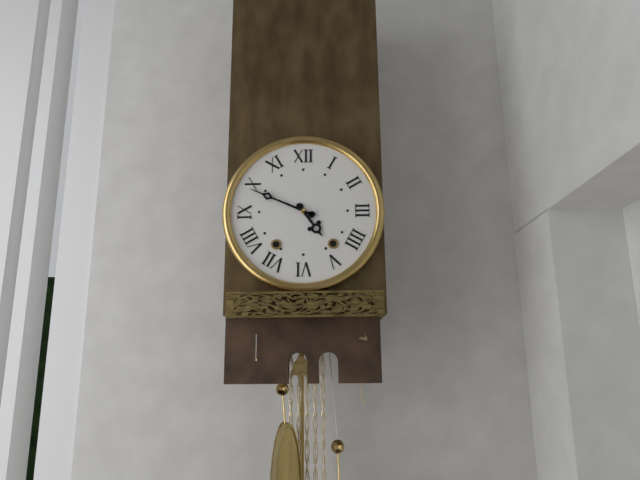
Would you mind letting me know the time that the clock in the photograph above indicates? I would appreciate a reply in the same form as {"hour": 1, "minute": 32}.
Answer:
{"hour": 4, "minute": 49}
